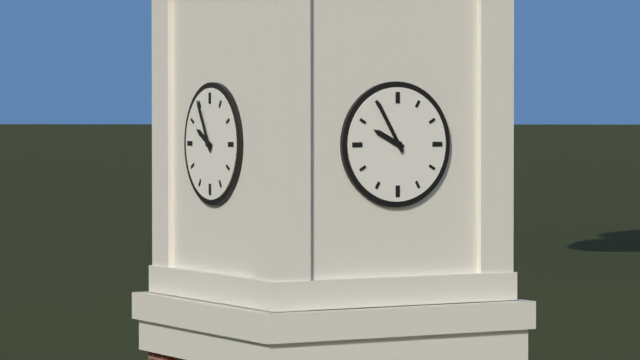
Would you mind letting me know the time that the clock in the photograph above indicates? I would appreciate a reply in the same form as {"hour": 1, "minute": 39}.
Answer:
{"hour": 9, "minute": 55}
